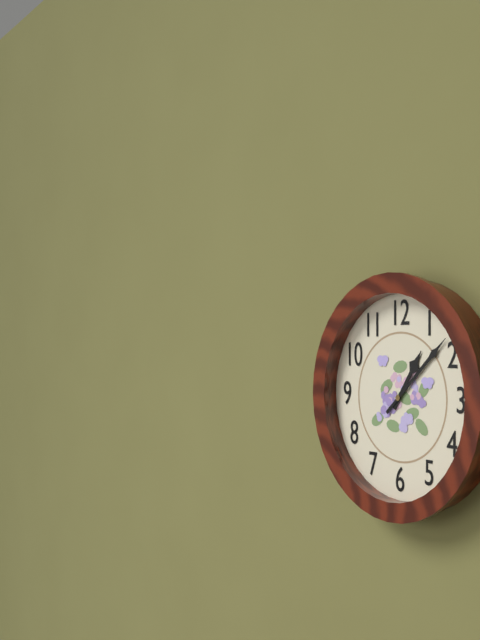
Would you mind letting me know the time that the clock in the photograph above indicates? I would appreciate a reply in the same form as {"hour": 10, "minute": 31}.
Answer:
{"hour": 1, "minute": 8}
